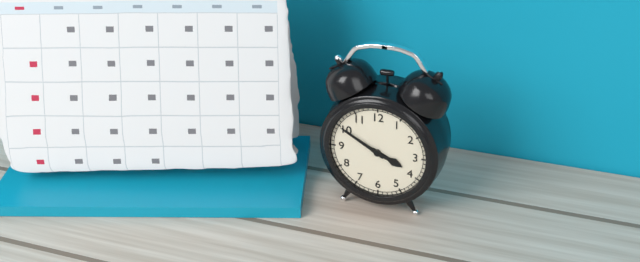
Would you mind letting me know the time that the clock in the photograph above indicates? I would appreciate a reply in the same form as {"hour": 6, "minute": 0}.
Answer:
{"hour": 3, "minute": 50}
